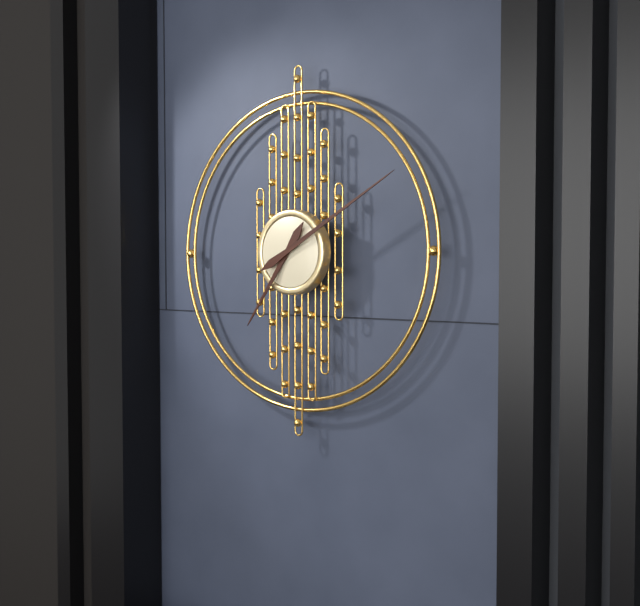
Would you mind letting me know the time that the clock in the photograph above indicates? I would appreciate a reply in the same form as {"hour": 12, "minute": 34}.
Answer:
{"hour": 7, "minute": 10}
